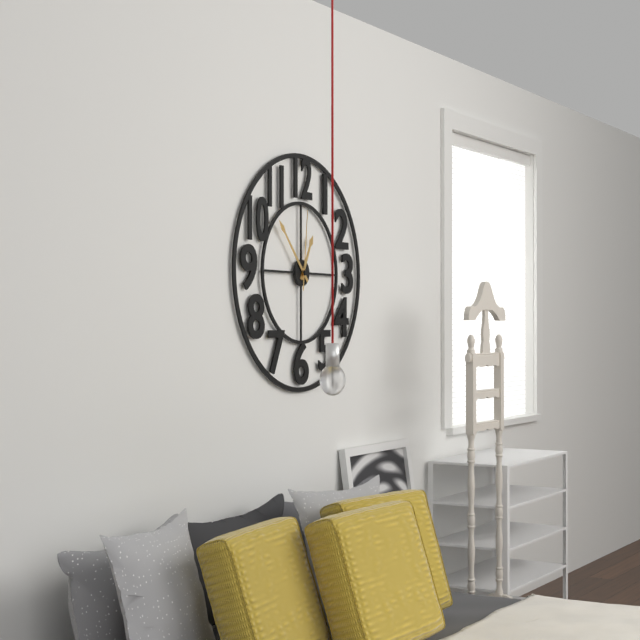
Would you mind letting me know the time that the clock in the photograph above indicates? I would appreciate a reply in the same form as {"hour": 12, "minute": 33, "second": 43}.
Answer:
{"hour": 12, "minute": 53, "second": 1}
